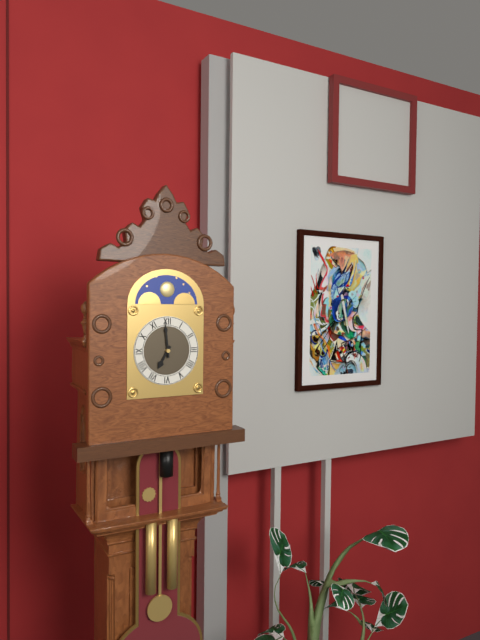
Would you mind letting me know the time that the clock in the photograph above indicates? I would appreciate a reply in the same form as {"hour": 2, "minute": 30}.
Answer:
{"hour": 6, "minute": 59}
